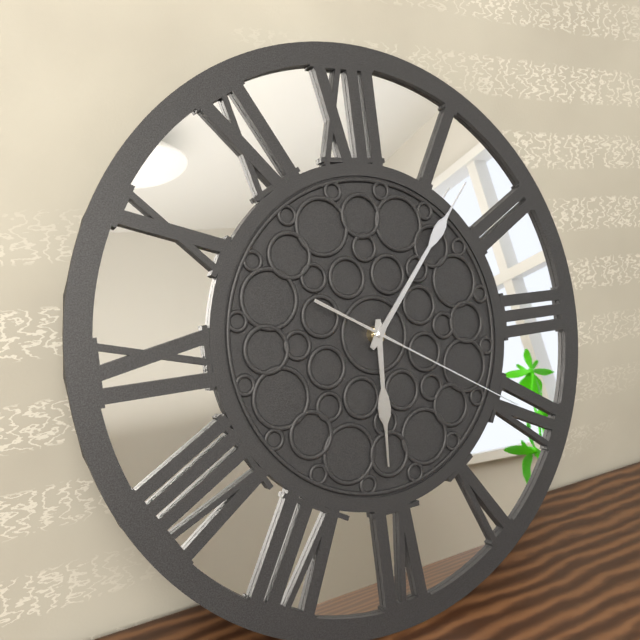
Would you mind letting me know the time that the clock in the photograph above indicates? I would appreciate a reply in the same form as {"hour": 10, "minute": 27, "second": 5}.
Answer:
{"hour": 6, "minute": 7, "second": 20}
